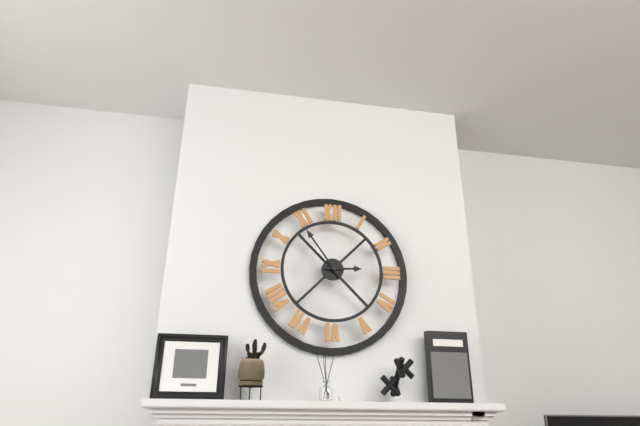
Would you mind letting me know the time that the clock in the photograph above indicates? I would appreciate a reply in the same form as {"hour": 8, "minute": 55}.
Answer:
{"hour": 2, "minute": 54}
